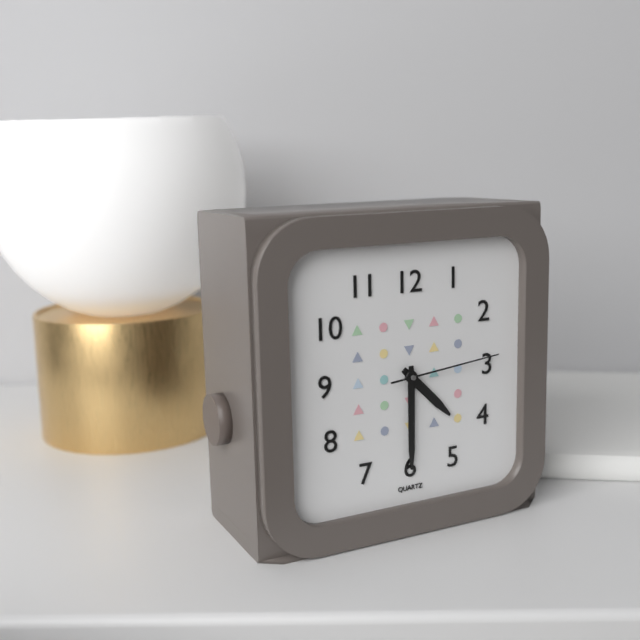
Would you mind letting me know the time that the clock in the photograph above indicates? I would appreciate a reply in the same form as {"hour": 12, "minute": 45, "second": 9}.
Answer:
{"hour": 4, "minute": 30, "second": 14}
